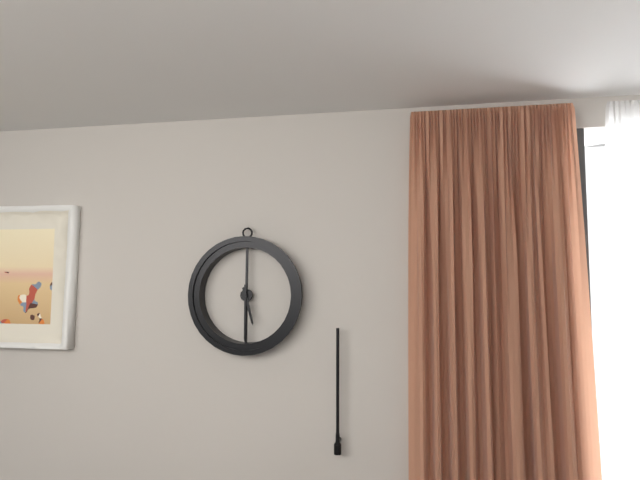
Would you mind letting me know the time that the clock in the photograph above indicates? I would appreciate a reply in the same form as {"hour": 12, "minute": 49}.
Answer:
{"hour": 5, "minute": 30}
